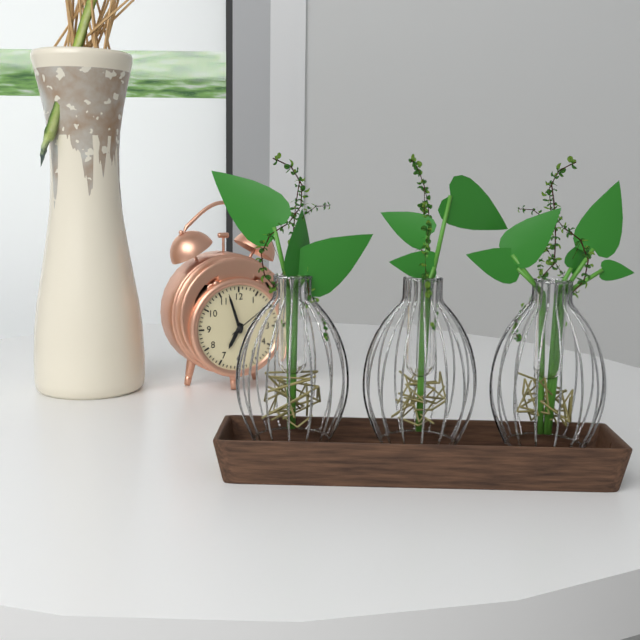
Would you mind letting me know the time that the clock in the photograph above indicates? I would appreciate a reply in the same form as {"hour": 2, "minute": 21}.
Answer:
{"hour": 6, "minute": 57}
